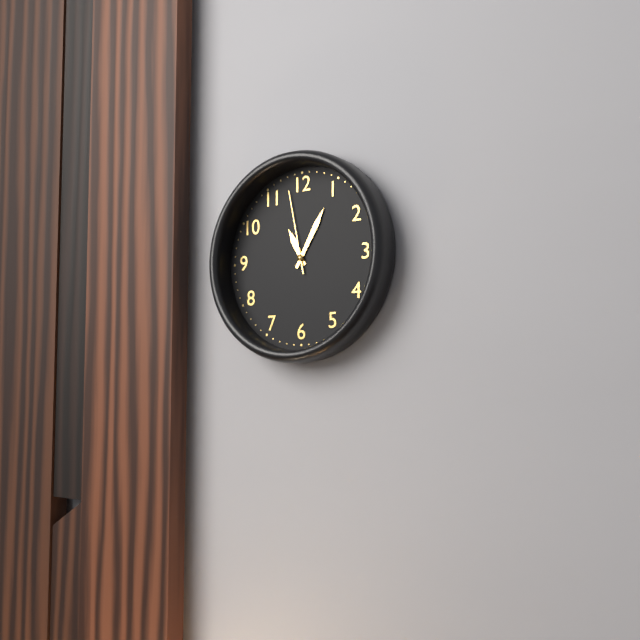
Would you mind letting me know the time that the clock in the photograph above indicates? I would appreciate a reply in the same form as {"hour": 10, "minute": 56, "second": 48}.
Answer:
{"hour": 11, "minute": 5, "second": 58}
